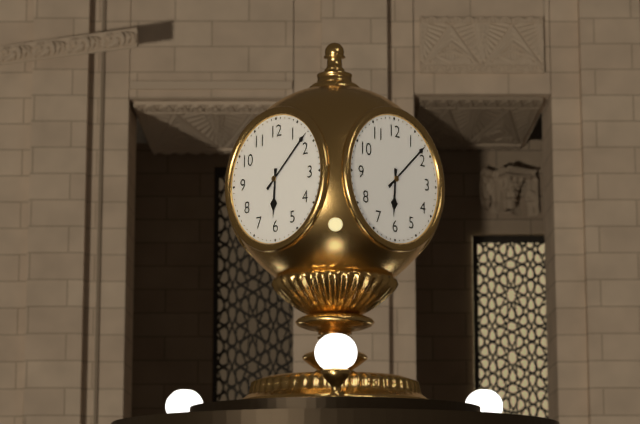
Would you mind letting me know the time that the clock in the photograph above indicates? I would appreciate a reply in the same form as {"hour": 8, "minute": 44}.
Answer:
{"hour": 6, "minute": 8}
